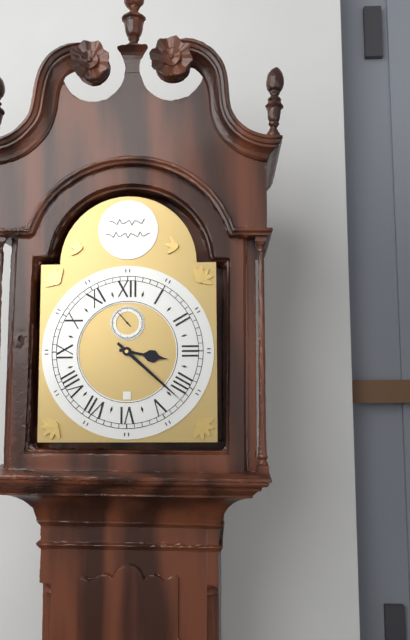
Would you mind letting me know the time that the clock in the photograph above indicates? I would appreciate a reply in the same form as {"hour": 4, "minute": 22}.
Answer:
{"hour": 3, "minute": 22}
